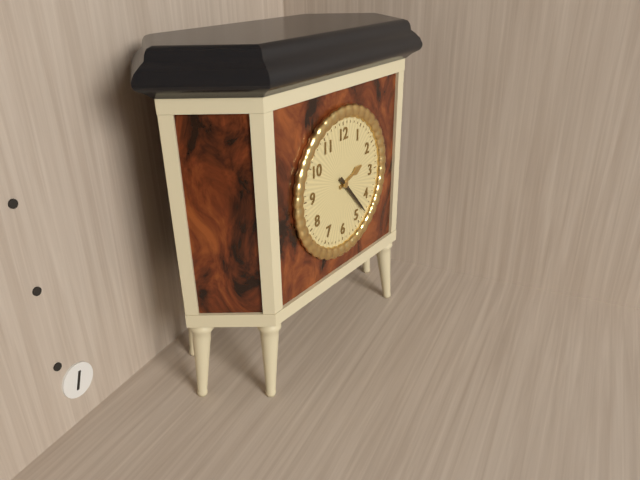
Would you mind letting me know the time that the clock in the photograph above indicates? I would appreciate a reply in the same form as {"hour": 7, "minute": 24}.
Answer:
{"hour": 2, "minute": 23}
